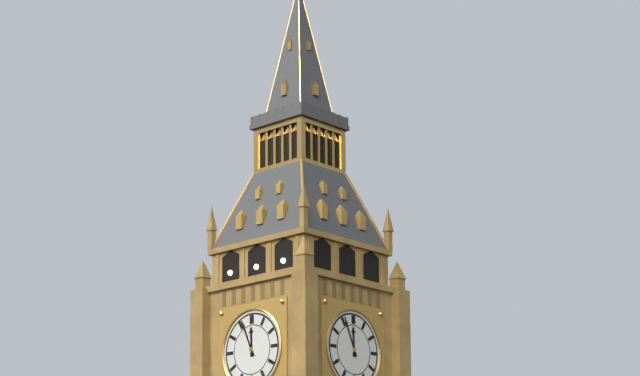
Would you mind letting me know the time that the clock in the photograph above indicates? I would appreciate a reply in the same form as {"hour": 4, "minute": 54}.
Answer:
{"hour": 11, "minute": 56}
